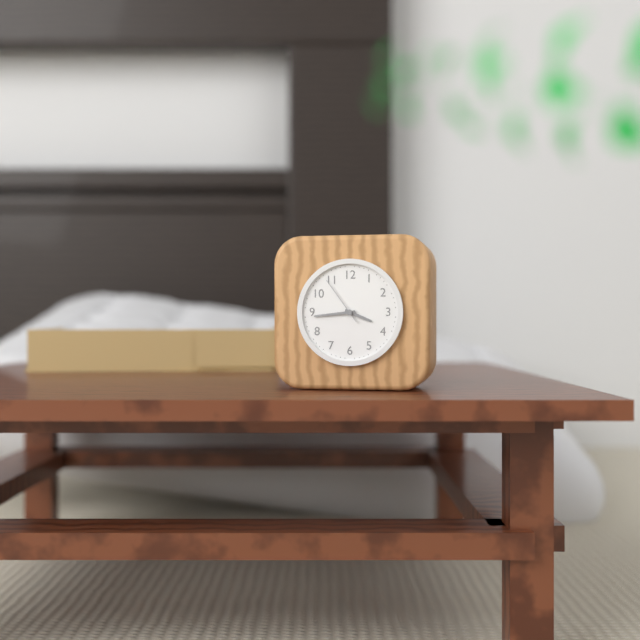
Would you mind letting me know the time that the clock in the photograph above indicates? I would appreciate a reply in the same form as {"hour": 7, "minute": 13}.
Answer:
{"hour": 3, "minute": 44}
